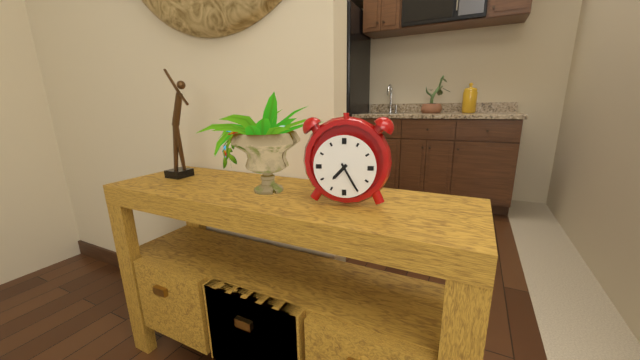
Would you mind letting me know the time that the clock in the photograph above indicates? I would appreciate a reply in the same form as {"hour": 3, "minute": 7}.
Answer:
{"hour": 7, "minute": 25}
